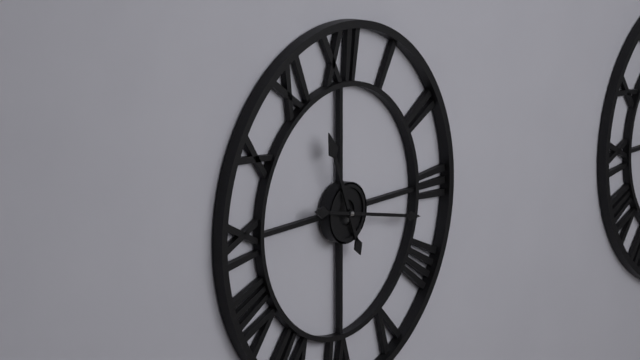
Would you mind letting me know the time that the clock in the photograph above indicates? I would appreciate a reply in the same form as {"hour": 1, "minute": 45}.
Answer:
{"hour": 11, "minute": 17}
